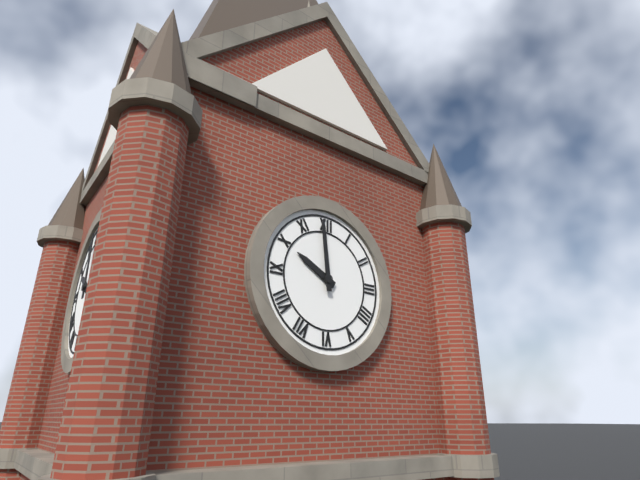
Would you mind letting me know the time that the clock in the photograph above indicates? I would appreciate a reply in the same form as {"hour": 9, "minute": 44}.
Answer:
{"hour": 9, "minute": 59}
